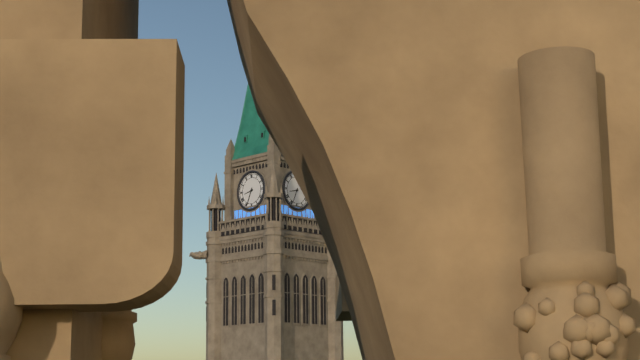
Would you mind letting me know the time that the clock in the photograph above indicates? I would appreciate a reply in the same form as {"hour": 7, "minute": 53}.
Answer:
{"hour": 8, "minute": 34}
